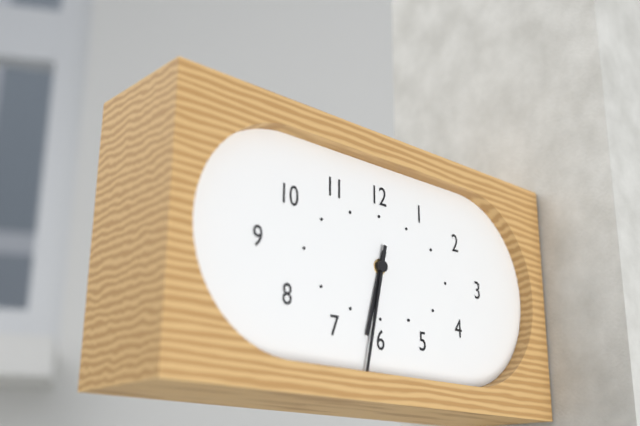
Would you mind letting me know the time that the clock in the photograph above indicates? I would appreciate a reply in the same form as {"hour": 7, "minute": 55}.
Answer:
{"hour": 6, "minute": 32}
